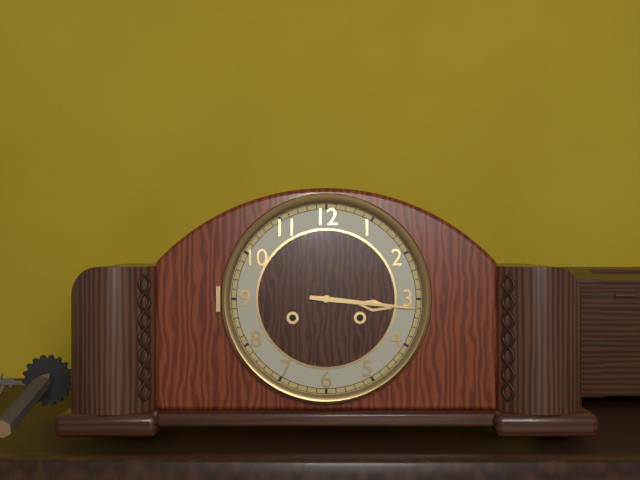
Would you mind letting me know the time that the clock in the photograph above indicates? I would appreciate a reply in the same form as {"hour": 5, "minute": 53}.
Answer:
{"hour": 3, "minute": 16}
